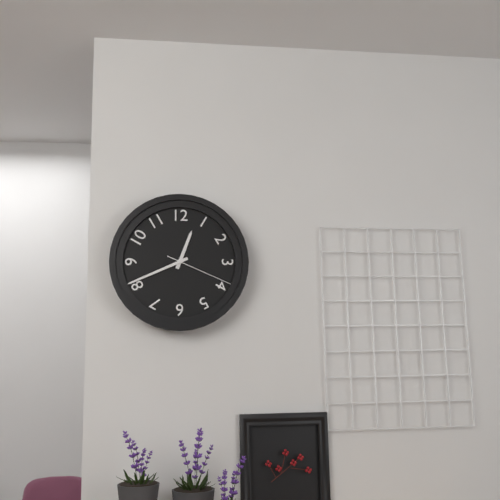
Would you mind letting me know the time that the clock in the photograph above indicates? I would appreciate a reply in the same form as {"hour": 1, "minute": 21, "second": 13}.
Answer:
{"hour": 12, "minute": 41, "second": 19}
